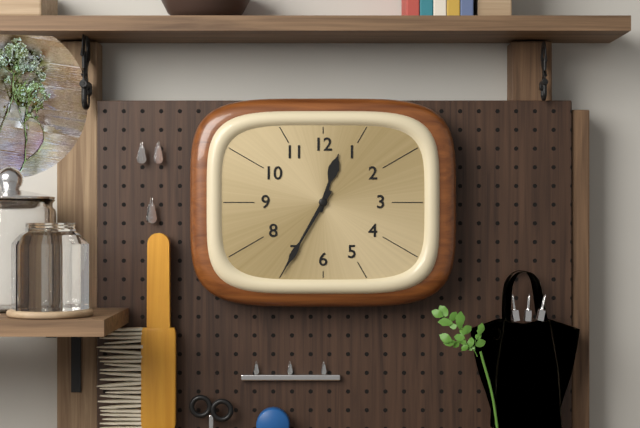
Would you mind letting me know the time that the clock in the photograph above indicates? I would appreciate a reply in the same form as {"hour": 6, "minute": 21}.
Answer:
{"hour": 12, "minute": 35}
